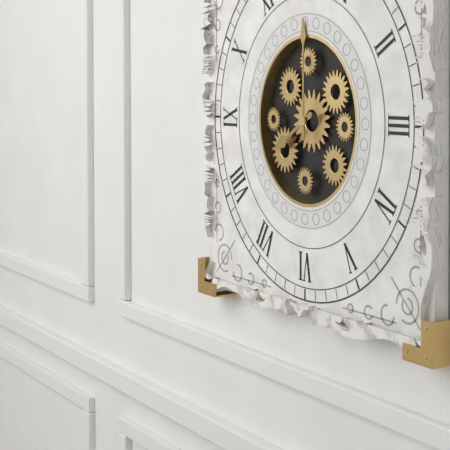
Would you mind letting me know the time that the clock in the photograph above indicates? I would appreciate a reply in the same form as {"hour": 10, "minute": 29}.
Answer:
{"hour": 8, "minute": 0}
